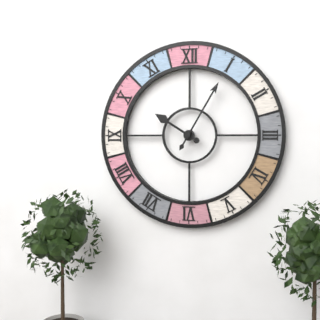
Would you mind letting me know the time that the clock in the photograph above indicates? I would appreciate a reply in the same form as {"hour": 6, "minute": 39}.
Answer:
{"hour": 10, "minute": 5}
